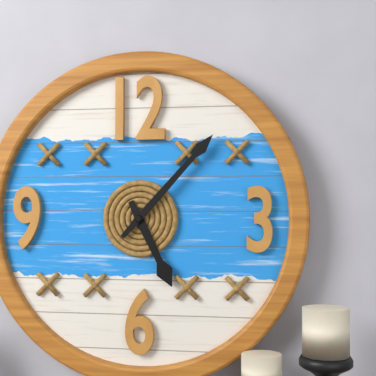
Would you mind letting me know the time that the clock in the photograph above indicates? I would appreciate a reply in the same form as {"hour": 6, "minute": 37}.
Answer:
{"hour": 5, "minute": 7}
